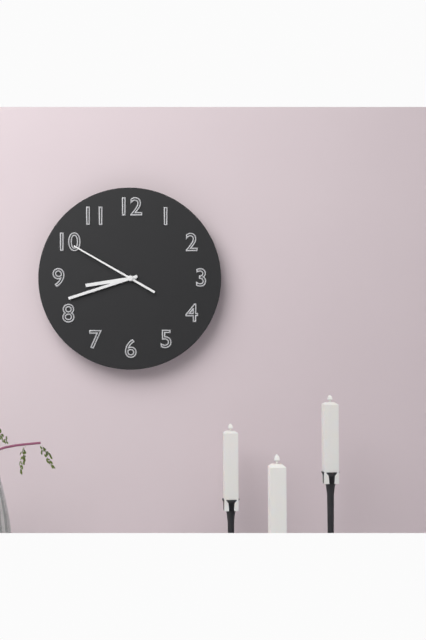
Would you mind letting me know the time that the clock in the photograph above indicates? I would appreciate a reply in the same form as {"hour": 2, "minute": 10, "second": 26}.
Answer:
{"hour": 8, "minute": 42, "second": 50}
